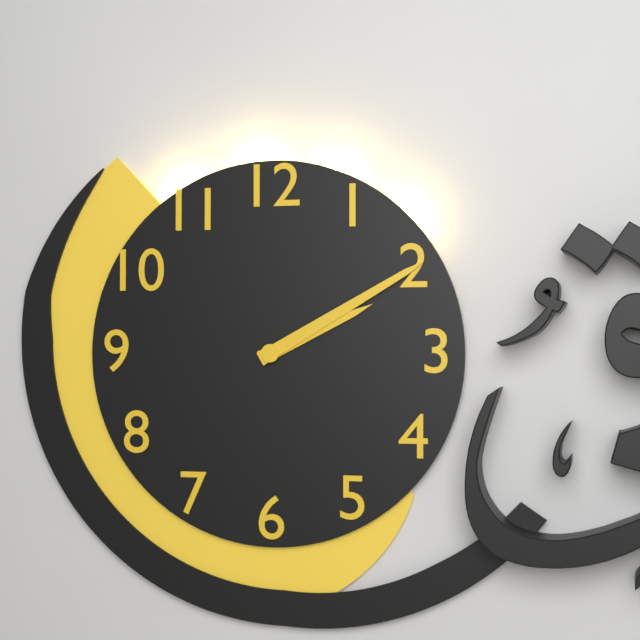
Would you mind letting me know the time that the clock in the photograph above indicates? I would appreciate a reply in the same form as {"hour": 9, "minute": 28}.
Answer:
{"hour": 2, "minute": 10}
